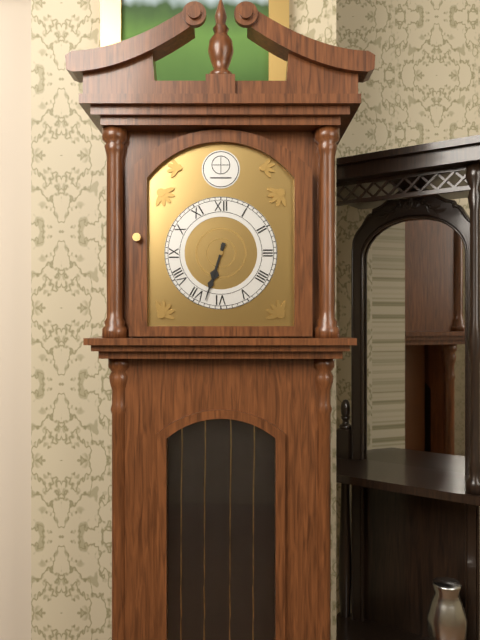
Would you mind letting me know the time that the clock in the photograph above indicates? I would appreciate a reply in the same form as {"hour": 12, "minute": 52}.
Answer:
{"hour": 6, "minute": 33}
